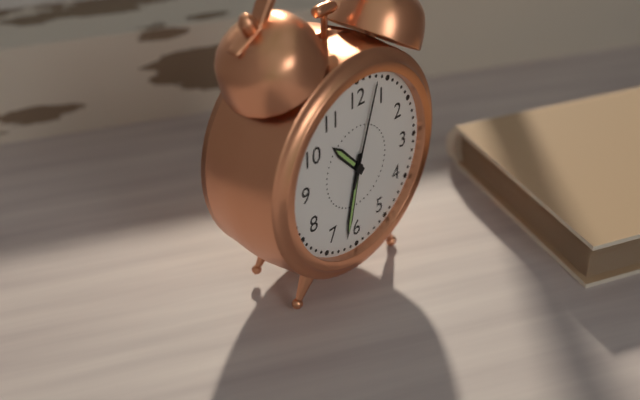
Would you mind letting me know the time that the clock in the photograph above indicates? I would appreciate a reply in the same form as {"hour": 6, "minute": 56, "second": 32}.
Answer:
{"hour": 10, "minute": 32, "second": 3}
